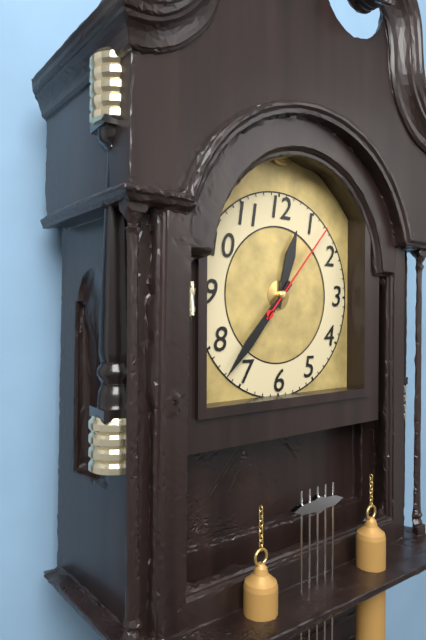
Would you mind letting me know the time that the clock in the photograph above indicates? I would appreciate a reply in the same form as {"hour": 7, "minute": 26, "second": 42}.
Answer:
{"hour": 12, "minute": 37, "second": 7}
